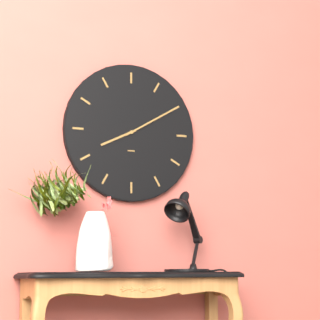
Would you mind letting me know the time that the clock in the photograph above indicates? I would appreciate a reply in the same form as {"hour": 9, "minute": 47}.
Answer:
{"hour": 8, "minute": 10}
